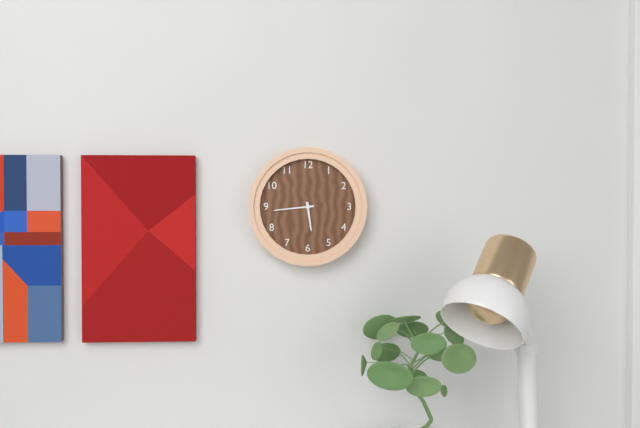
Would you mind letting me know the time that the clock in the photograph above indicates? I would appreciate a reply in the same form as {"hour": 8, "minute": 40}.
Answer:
{"hour": 5, "minute": 44}
